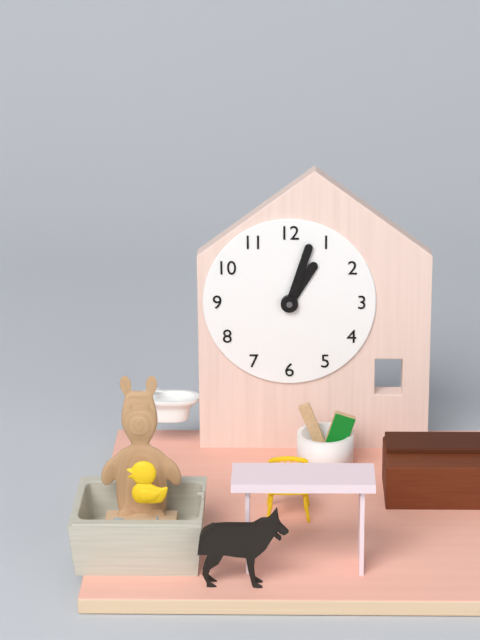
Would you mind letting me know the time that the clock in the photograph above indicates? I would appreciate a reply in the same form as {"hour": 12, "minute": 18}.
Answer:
{"hour": 1, "minute": 3}
